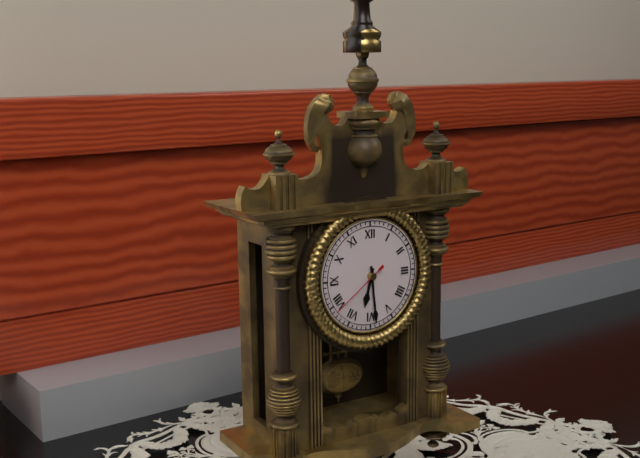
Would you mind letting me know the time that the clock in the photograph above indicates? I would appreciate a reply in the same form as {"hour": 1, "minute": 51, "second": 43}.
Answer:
{"hour": 6, "minute": 29, "second": 39}
